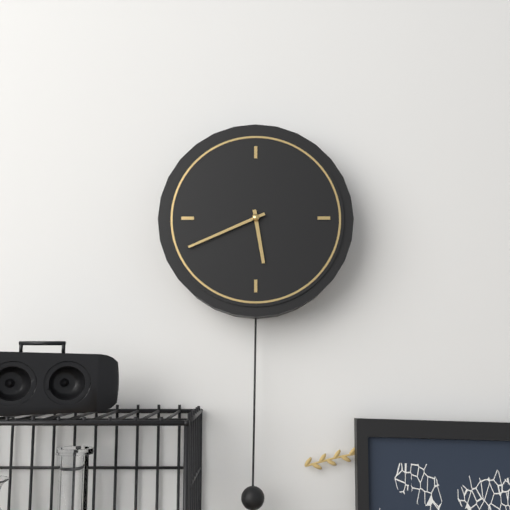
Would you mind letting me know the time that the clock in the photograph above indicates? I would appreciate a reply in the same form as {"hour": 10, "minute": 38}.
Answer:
{"hour": 5, "minute": 41}
